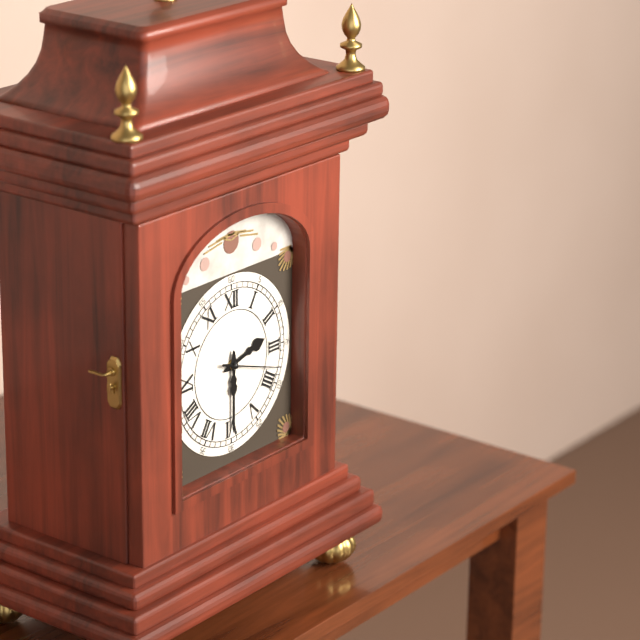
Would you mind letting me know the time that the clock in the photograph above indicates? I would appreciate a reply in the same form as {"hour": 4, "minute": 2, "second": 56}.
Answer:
{"hour": 2, "minute": 30, "second": 18}
